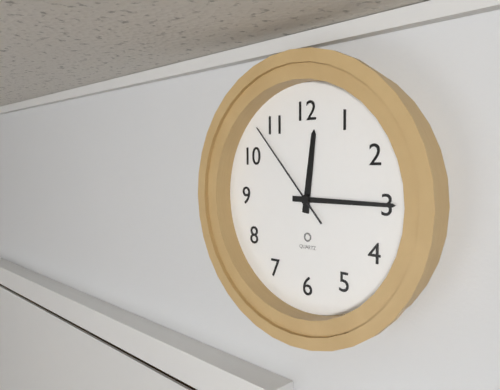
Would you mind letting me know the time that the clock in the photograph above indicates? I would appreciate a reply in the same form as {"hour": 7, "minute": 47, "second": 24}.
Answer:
{"hour": 12, "minute": 15, "second": 53}
